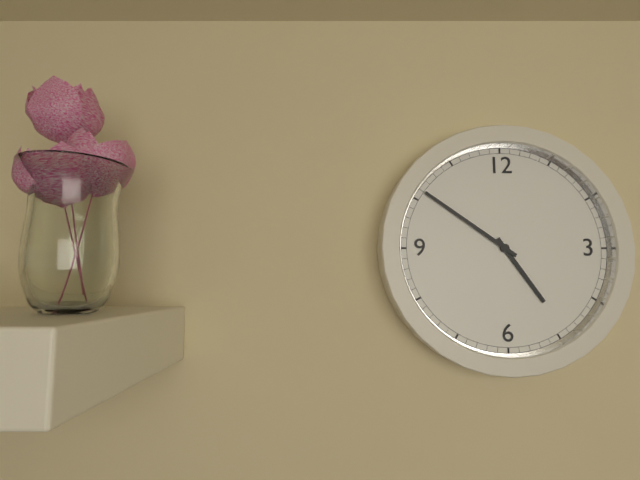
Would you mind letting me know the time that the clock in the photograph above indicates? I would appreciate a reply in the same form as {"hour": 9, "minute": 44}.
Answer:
{"hour": 4, "minute": 51}
